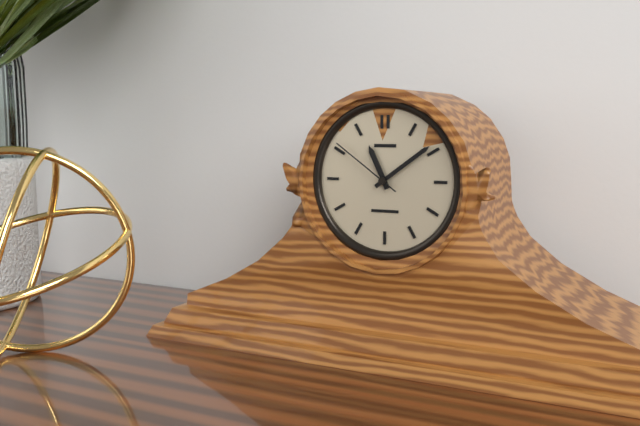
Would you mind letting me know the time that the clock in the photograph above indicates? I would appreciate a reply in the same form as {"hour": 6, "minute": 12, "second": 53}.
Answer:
{"hour": 11, "minute": 9, "second": 51}
